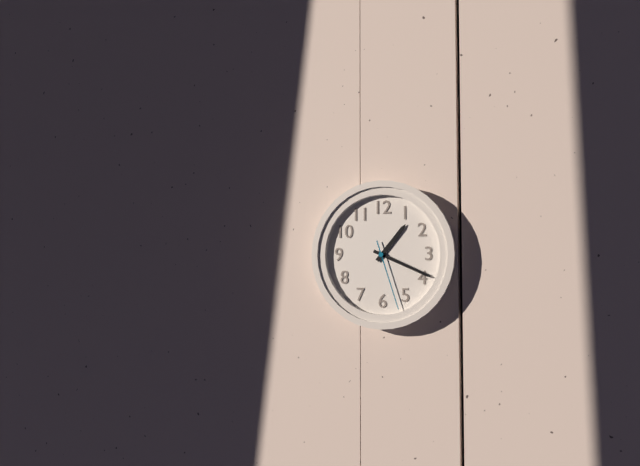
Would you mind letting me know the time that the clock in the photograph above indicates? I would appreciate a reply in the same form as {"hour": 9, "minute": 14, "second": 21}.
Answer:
{"hour": 1, "minute": 19, "second": 27}
